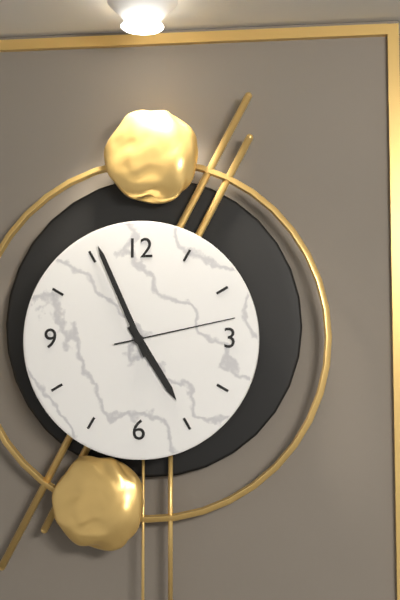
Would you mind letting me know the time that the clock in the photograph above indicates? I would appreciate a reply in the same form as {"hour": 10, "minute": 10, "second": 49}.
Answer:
{"hour": 4, "minute": 56, "second": 13}
